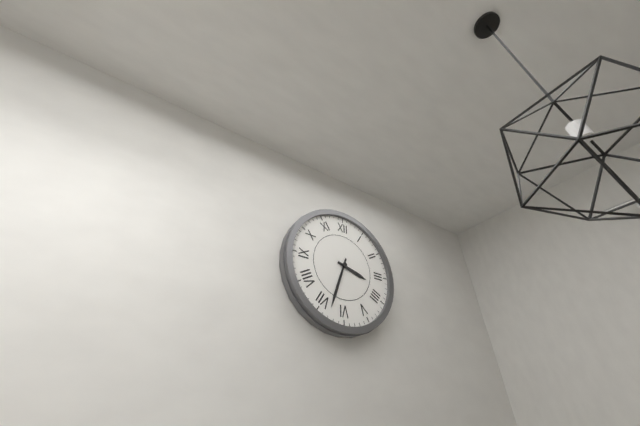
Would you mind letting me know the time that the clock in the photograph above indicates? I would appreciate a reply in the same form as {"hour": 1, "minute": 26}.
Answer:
{"hour": 3, "minute": 33}
